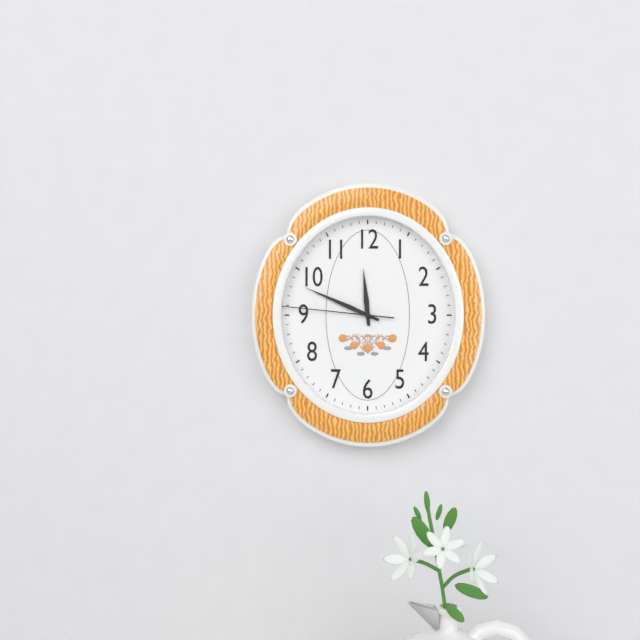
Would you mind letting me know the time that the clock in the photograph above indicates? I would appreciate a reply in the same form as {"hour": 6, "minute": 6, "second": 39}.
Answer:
{"hour": 11, "minute": 49, "second": 46}
